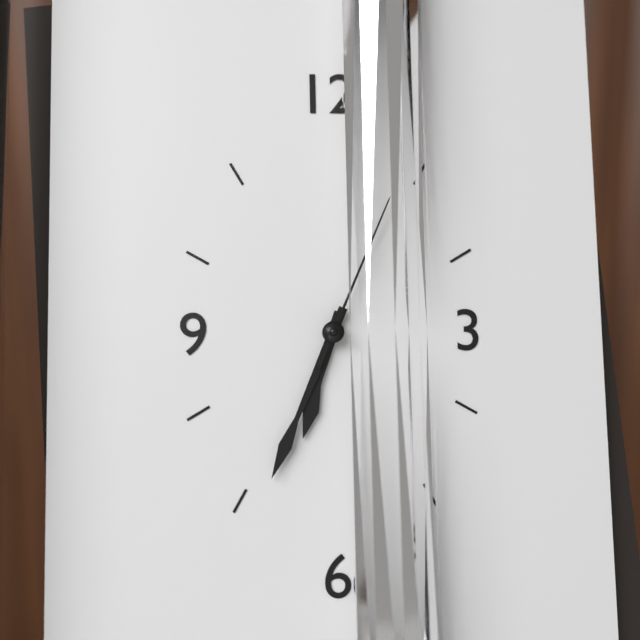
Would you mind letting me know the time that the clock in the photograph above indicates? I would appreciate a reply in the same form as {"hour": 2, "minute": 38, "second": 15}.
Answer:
{"hour": 6, "minute": 34, "second": 4}
